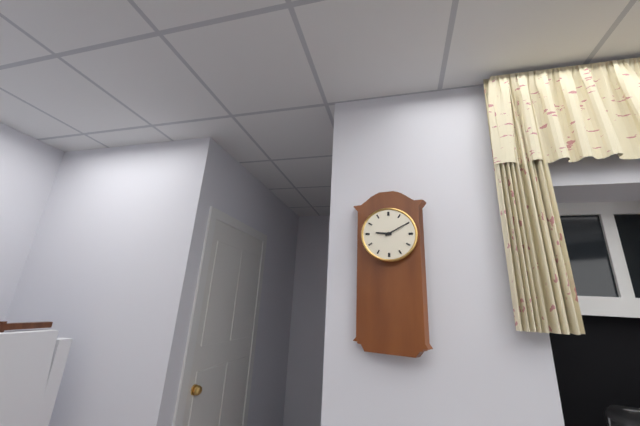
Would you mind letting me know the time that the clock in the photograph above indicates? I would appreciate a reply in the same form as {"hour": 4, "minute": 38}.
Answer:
{"hour": 9, "minute": 10}
